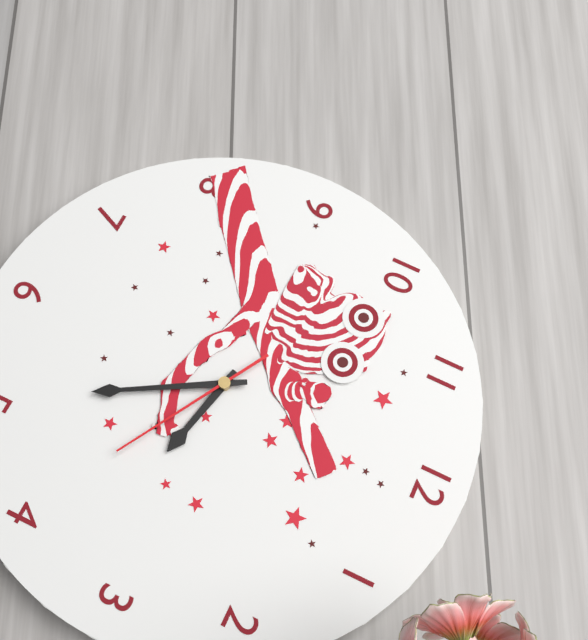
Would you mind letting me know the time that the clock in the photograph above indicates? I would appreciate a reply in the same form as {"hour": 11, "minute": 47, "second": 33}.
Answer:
{"hour": 3, "minute": 25, "second": 20}
